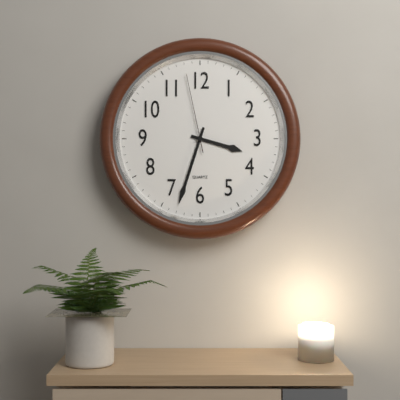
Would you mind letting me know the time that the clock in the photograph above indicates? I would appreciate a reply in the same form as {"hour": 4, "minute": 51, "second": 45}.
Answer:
{"hour": 3, "minute": 33, "second": 58}
